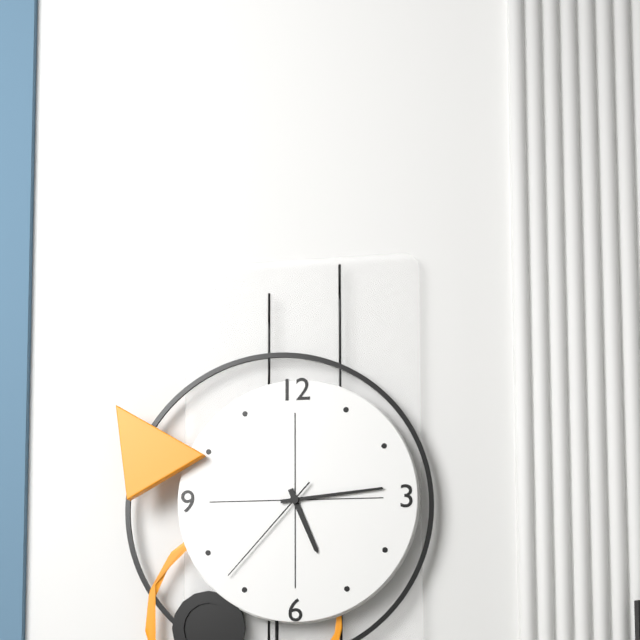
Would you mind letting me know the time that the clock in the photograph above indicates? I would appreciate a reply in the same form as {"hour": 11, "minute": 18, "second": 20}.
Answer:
{"hour": 5, "minute": 14, "second": 37}
